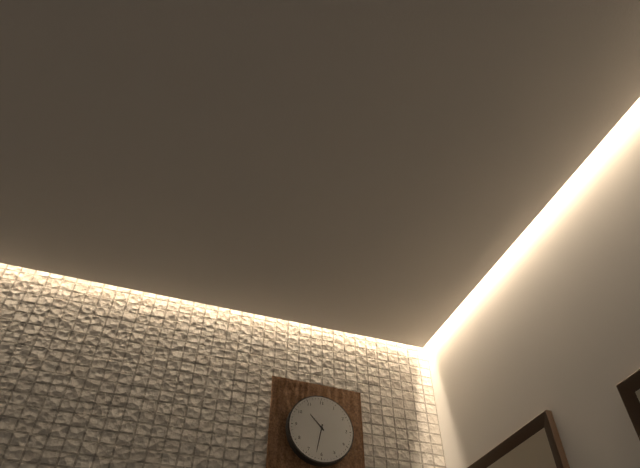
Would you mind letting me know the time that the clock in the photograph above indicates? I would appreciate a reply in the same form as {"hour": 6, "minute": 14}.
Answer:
{"hour": 10, "minute": 32}
